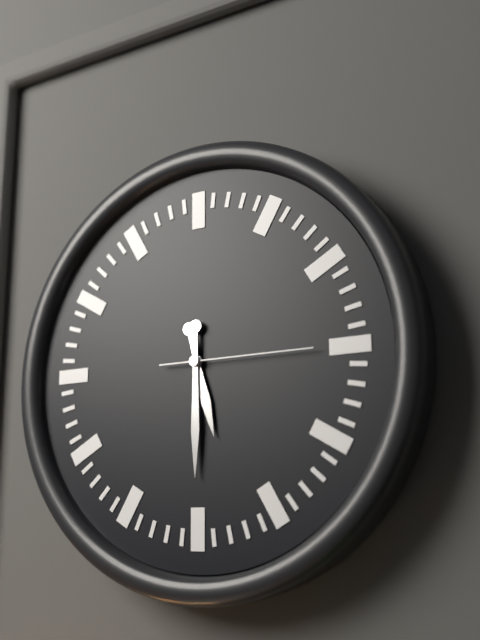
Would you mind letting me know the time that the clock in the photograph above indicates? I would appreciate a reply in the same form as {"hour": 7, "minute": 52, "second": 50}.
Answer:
{"hour": 5, "minute": 30, "second": 15}
